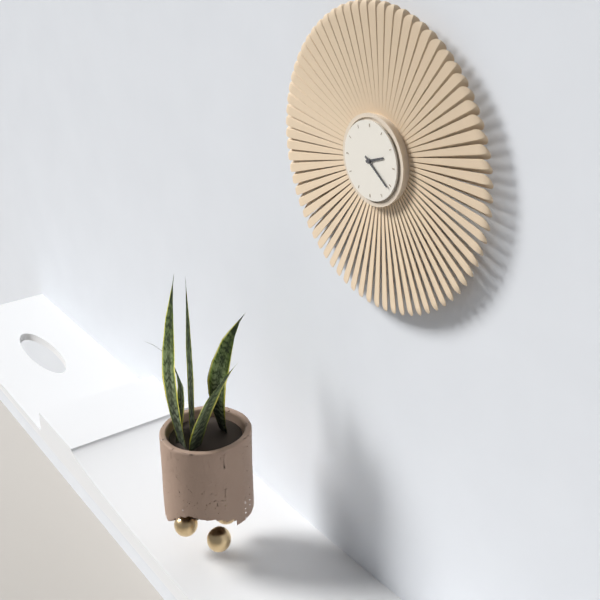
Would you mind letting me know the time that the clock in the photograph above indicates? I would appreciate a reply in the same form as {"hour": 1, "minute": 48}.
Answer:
{"hour": 2, "minute": 21}
